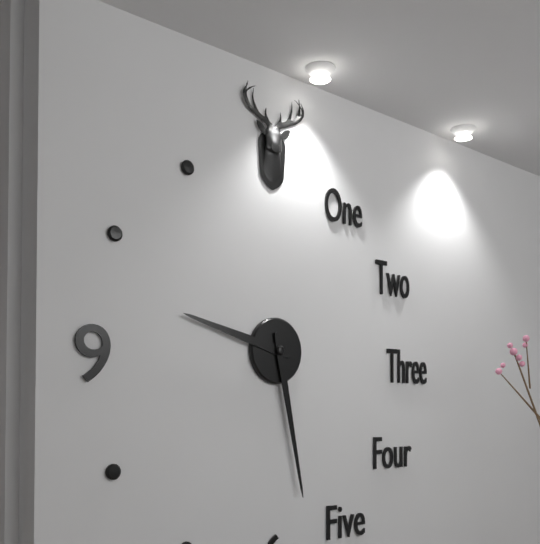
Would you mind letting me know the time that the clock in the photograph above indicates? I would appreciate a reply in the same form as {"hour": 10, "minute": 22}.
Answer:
{"hour": 9, "minute": 28}
